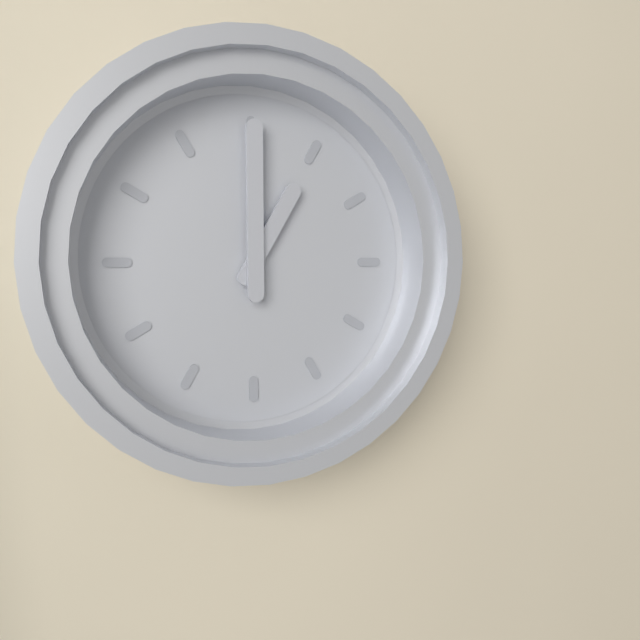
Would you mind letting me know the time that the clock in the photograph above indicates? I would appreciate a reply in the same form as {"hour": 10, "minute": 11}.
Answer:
{"hour": 1, "minute": 0}
